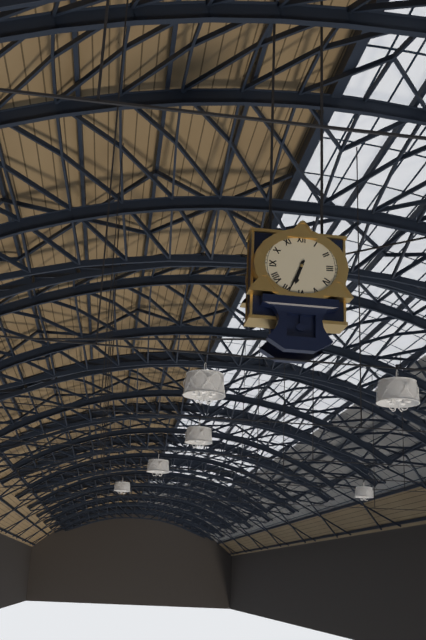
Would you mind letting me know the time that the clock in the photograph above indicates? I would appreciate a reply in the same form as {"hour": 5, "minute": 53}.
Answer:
{"hour": 6, "minute": 34}
